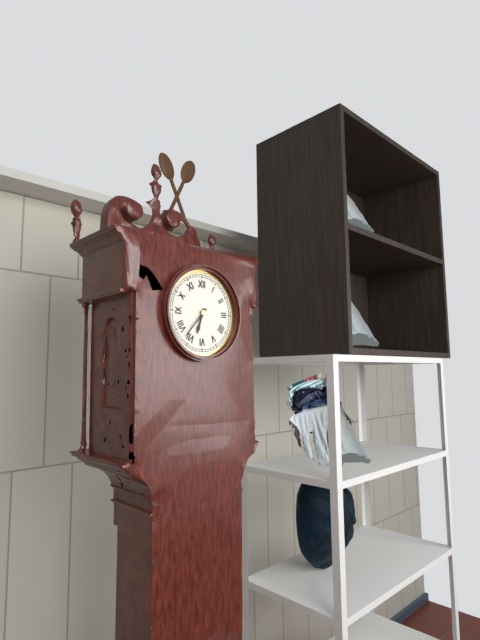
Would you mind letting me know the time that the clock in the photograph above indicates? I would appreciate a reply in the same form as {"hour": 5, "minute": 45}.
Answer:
{"hour": 6, "minute": 37}
